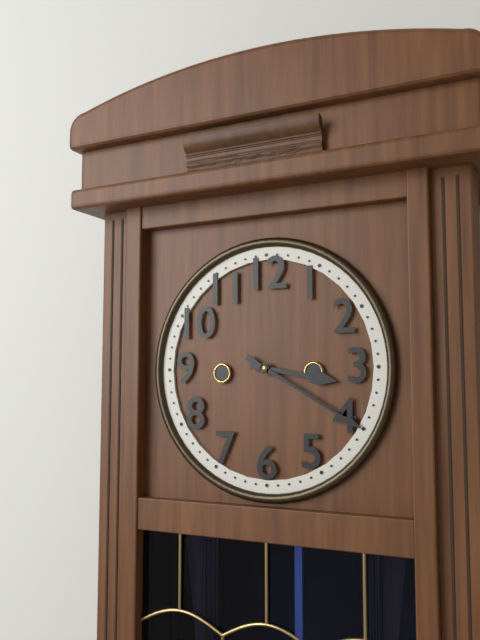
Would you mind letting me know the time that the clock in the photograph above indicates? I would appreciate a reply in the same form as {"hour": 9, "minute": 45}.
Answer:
{"hour": 3, "minute": 20}
